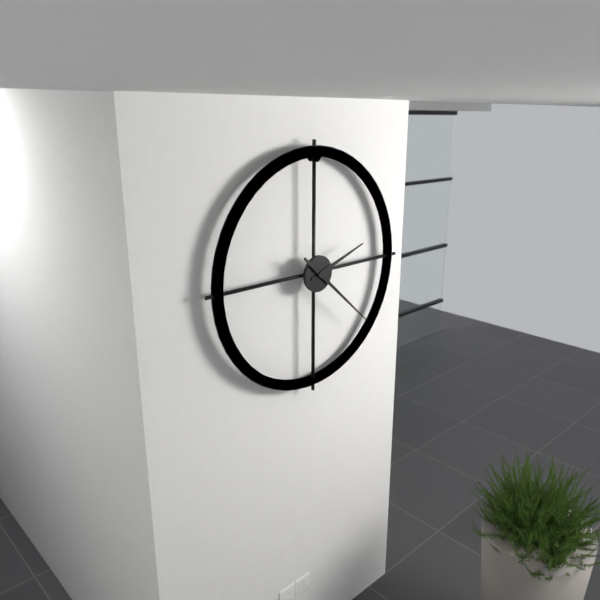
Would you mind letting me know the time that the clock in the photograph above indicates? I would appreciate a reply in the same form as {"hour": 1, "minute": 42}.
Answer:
{"hour": 2, "minute": 22}
